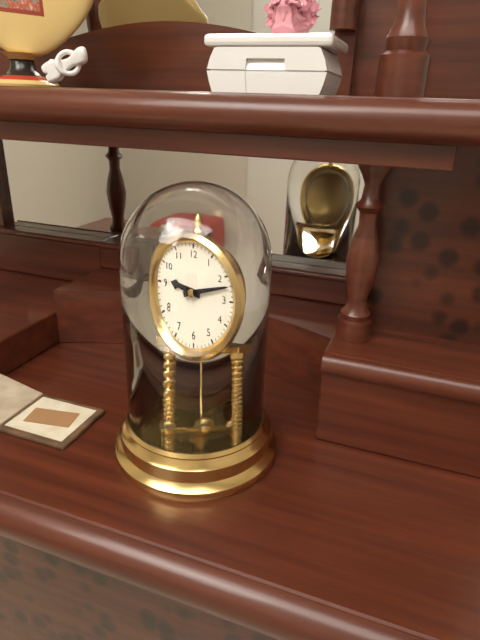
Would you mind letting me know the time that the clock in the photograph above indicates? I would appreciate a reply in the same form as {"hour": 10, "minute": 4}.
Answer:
{"hour": 9, "minute": 12}
